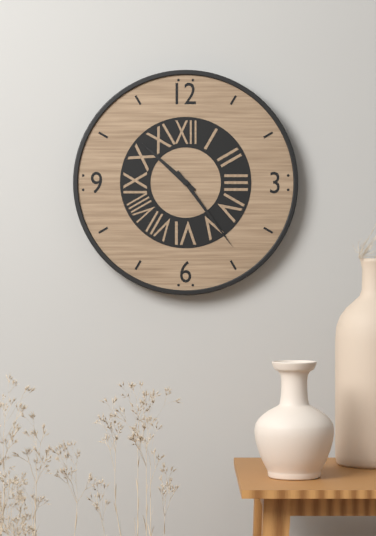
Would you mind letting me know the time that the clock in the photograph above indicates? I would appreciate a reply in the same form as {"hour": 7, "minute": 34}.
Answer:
{"hour": 10, "minute": 24}
